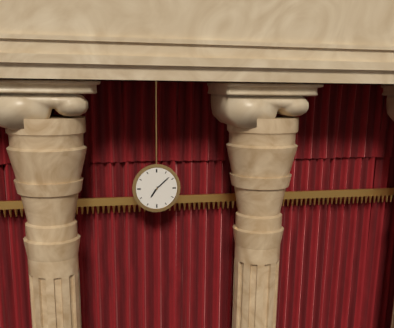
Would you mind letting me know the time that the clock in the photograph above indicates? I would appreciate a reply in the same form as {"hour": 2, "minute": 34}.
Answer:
{"hour": 7, "minute": 8}
